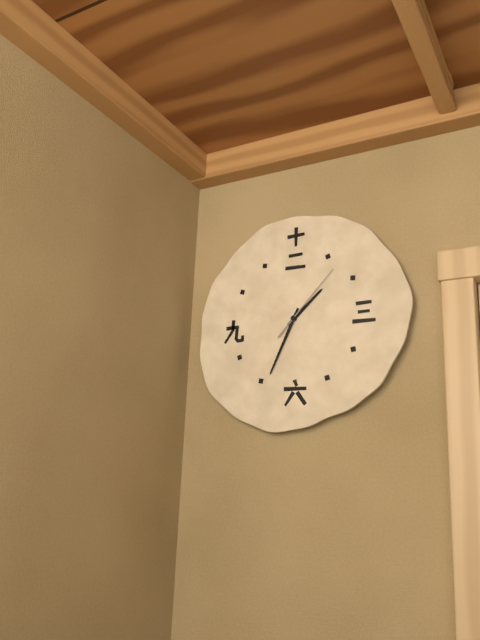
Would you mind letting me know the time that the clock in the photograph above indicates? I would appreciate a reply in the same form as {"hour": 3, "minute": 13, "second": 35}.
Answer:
{"hour": 1, "minute": 34, "second": 7}
